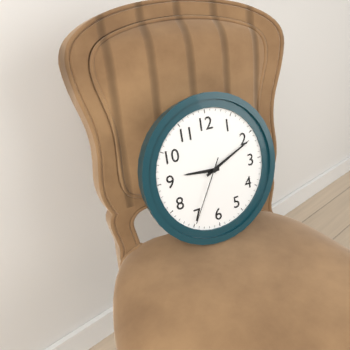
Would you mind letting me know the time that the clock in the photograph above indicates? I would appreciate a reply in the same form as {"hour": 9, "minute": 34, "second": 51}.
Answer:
{"hour": 9, "minute": 11, "second": 35}
